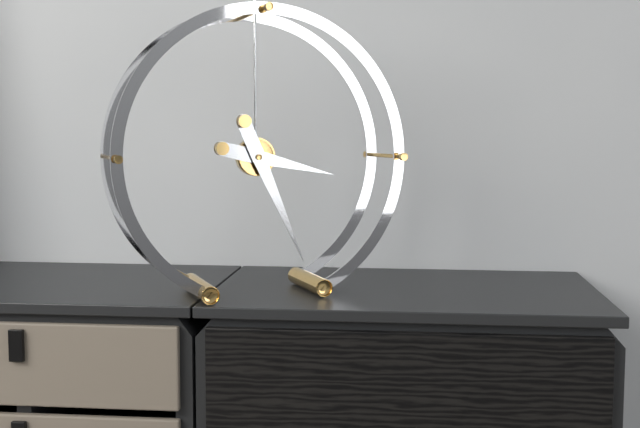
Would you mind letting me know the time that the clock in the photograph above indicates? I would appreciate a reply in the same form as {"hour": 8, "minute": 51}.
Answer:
{"hour": 3, "minute": 26}
